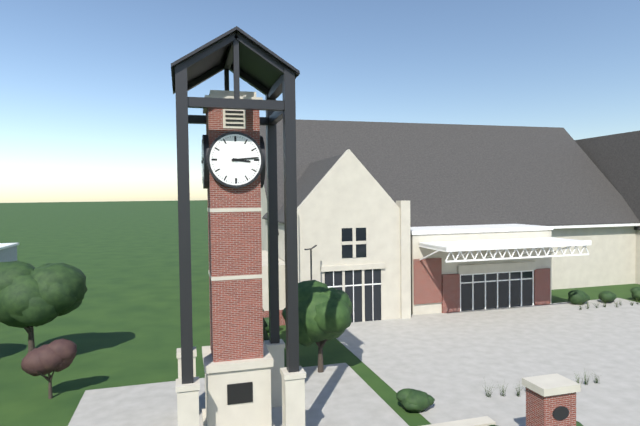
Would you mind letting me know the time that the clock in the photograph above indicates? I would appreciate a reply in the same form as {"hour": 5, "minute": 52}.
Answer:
{"hour": 3, "minute": 14}
